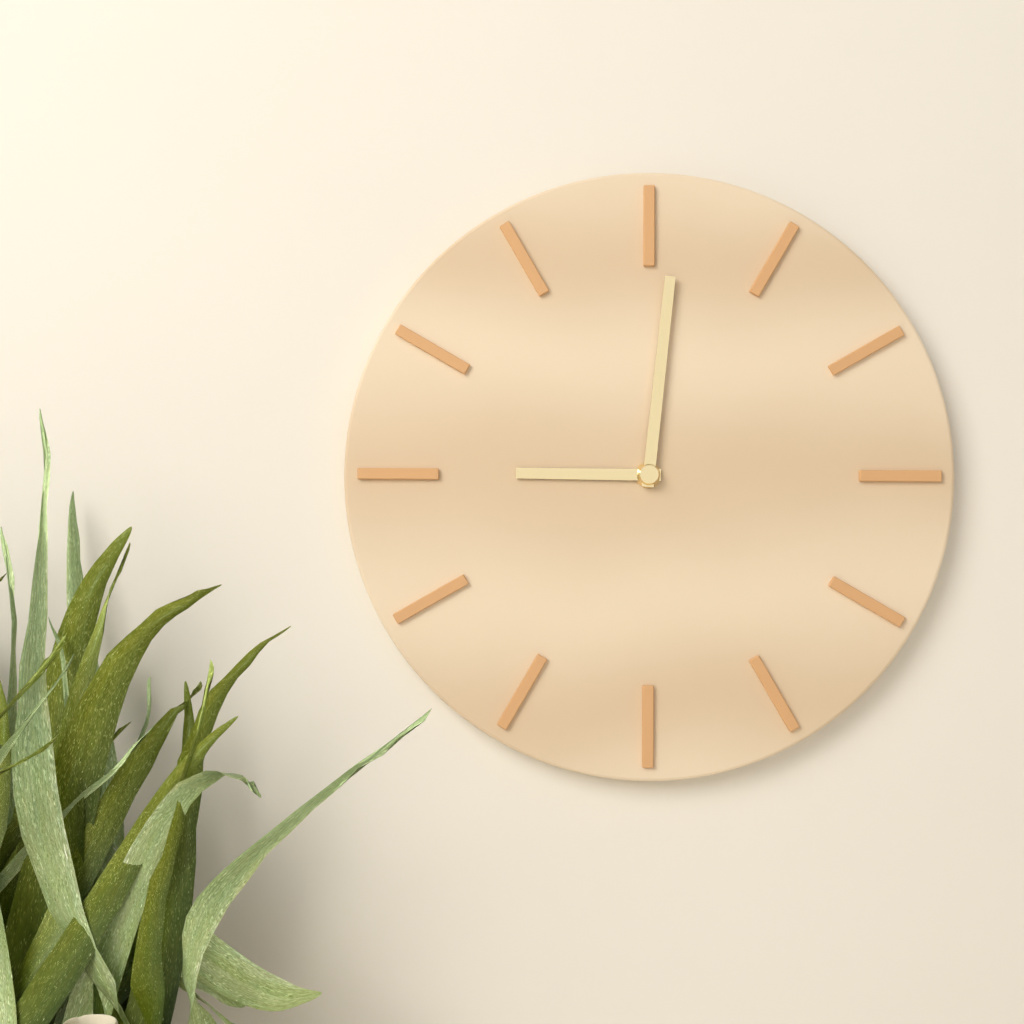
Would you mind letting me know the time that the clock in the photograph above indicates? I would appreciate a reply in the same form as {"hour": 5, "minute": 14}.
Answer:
{"hour": 9, "minute": 1}
